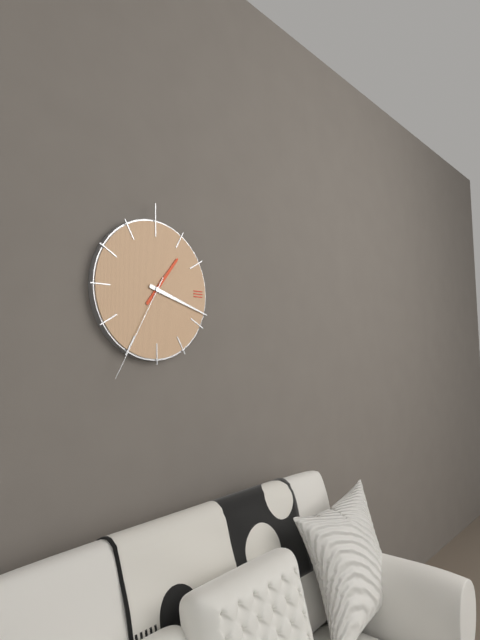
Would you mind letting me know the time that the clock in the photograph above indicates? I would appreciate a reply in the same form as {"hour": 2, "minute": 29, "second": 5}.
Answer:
{"hour": 1, "minute": 18, "second": 35}
